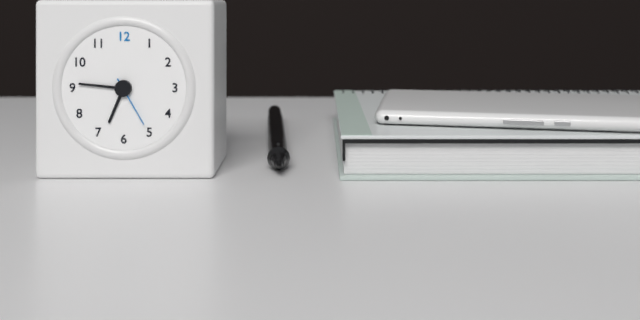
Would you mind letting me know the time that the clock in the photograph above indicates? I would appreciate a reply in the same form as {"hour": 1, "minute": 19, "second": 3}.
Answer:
{"hour": 6, "minute": 46, "second": 25}
